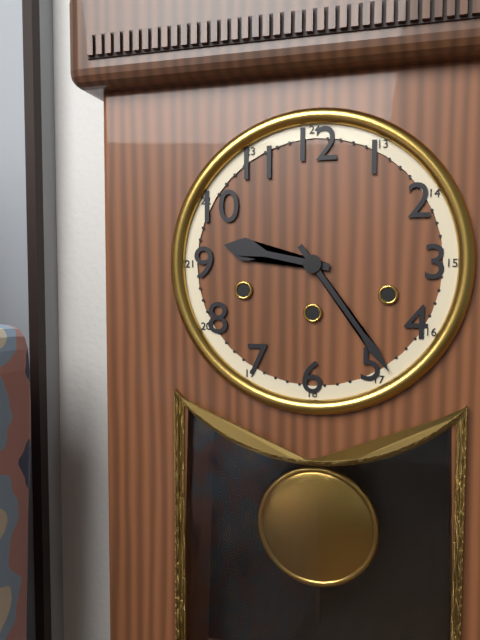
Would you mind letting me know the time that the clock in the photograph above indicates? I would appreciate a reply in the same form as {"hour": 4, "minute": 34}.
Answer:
{"hour": 9, "minute": 24}
